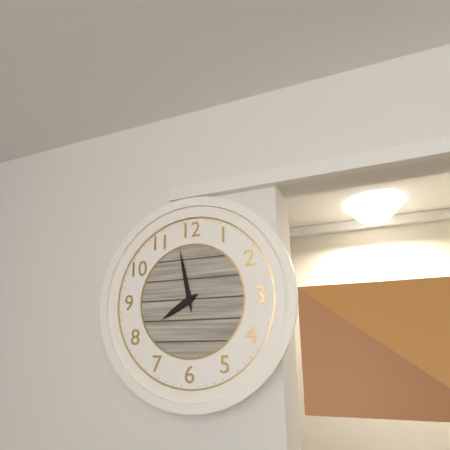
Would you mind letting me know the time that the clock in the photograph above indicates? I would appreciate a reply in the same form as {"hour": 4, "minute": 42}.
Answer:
{"hour": 7, "minute": 58}
